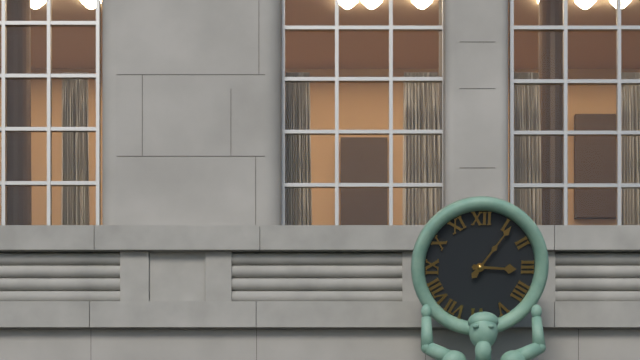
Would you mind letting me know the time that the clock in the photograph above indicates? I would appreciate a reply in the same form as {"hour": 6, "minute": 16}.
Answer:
{"hour": 3, "minute": 6}
